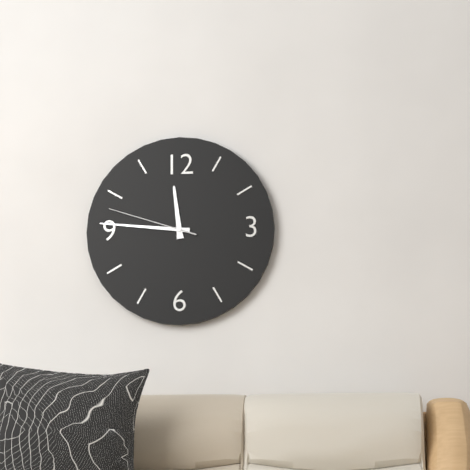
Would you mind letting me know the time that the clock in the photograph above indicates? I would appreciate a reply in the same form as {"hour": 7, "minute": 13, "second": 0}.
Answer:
{"hour": 11, "minute": 46, "second": 48}
